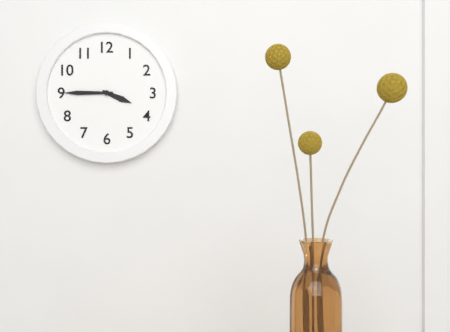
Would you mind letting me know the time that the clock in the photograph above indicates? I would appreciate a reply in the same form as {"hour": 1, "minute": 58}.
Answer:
{"hour": 3, "minute": 45}
